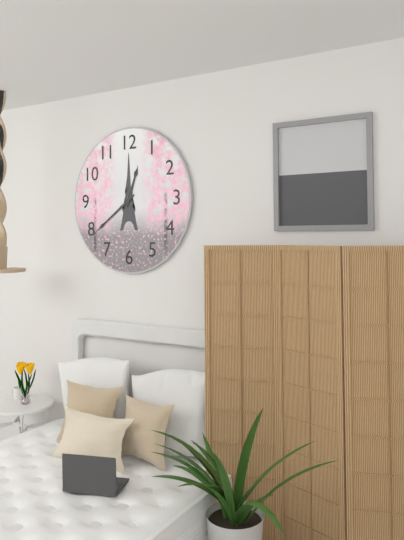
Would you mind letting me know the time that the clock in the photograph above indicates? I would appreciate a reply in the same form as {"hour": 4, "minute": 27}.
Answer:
{"hour": 12, "minute": 39}
